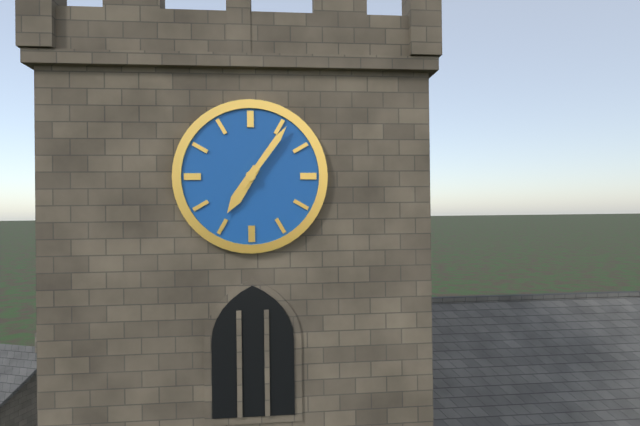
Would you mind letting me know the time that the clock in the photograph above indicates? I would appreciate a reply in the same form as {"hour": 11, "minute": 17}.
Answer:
{"hour": 7, "minute": 6}
